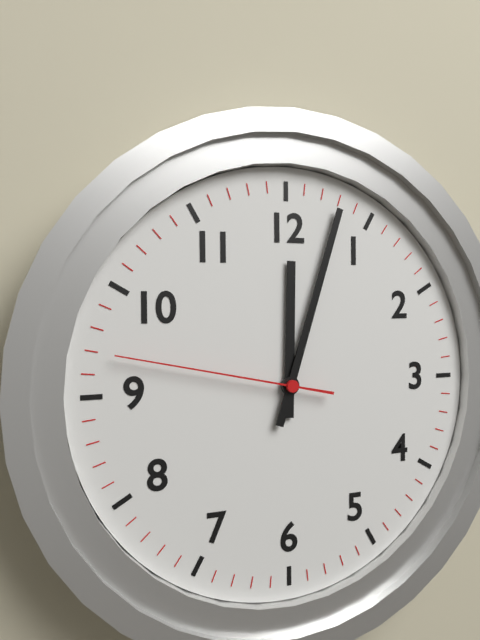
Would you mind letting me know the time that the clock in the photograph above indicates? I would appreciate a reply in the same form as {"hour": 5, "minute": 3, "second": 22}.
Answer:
{"hour": 12, "minute": 3, "second": 47}
